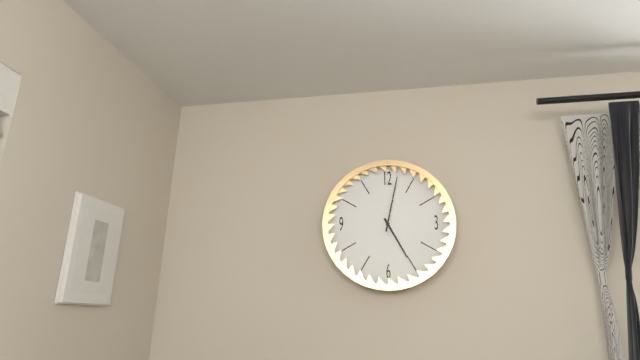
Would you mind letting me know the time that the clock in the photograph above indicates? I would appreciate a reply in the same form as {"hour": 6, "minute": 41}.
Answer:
{"hour": 5, "minute": 2}
